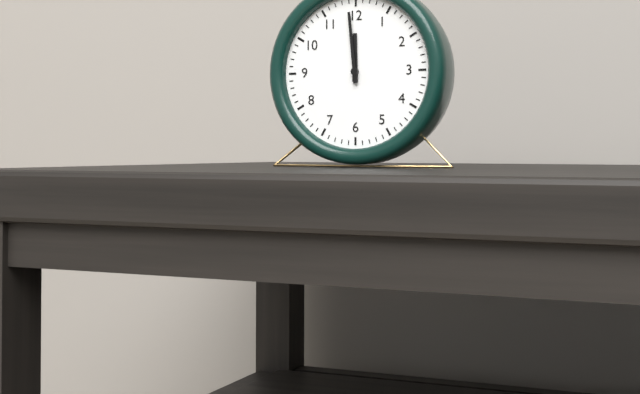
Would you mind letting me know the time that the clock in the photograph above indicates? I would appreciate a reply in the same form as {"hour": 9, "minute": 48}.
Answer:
{"hour": 11, "minute": 59}
